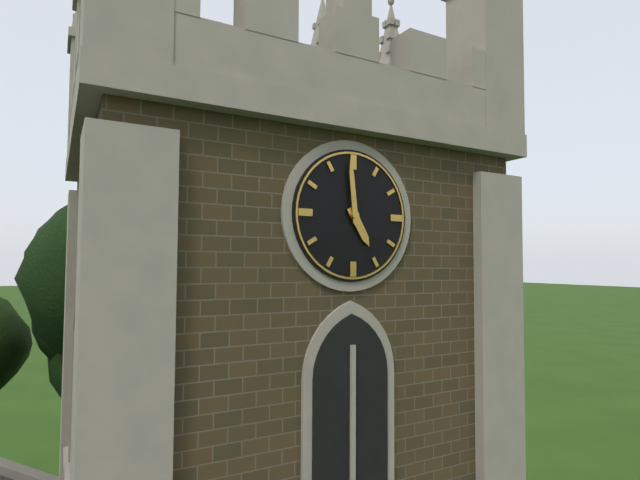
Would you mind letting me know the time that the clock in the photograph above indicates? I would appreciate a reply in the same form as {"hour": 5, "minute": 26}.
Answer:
{"hour": 4, "minute": 59}
